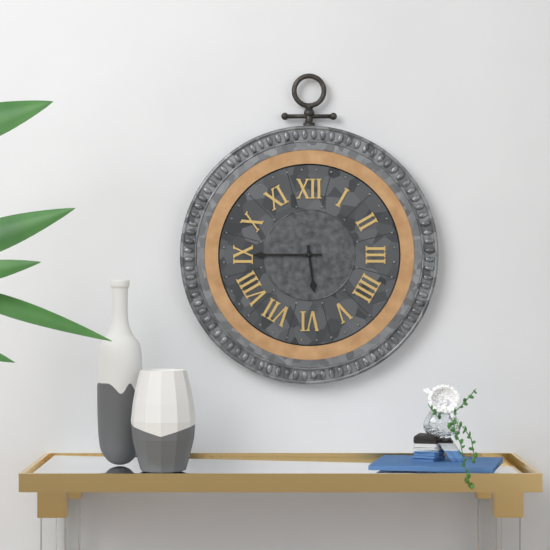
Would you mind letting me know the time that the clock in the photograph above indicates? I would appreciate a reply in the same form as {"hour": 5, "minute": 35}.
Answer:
{"hour": 5, "minute": 45}
